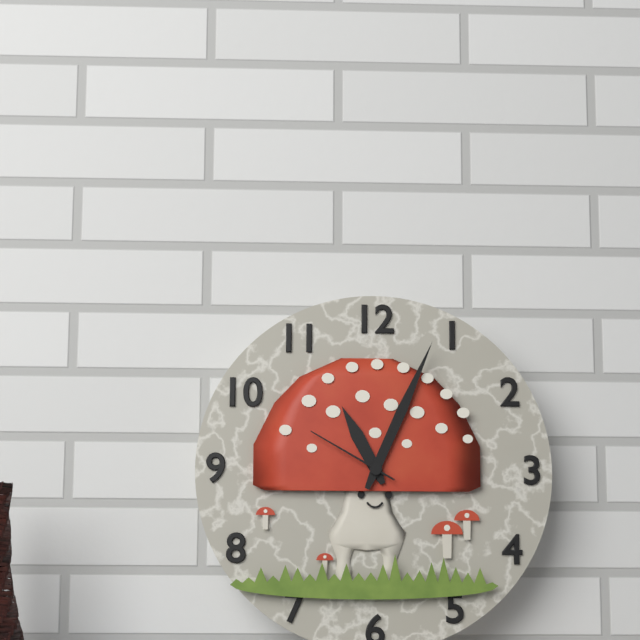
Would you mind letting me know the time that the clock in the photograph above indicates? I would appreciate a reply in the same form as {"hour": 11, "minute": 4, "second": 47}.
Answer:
{"hour": 11, "minute": 4, "second": 50}
